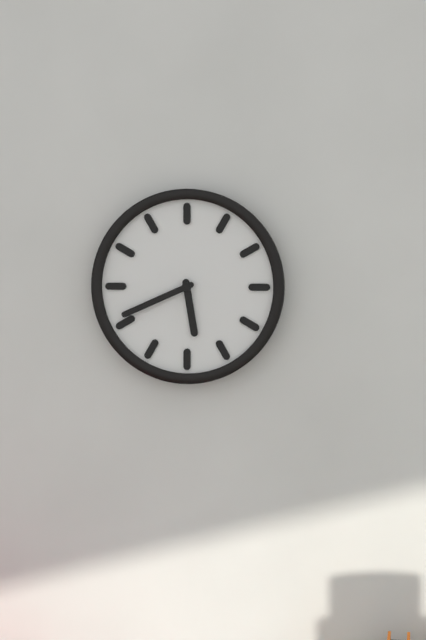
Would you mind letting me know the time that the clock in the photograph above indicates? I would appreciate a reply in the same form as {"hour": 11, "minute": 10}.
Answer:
{"hour": 5, "minute": 41}
